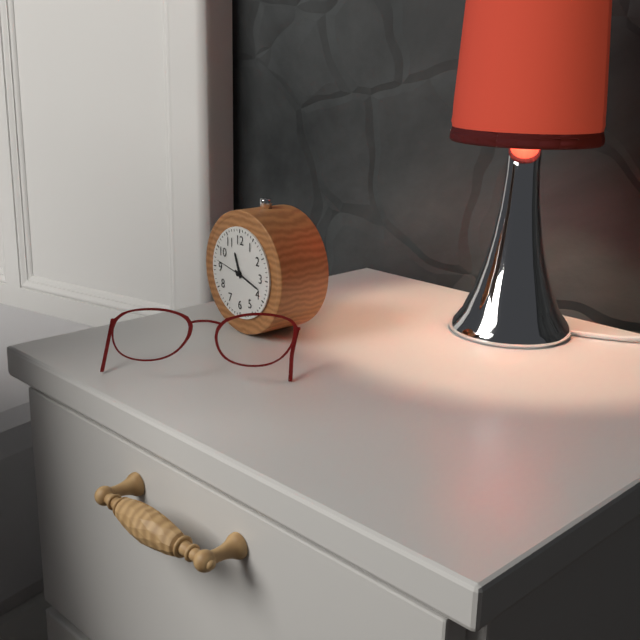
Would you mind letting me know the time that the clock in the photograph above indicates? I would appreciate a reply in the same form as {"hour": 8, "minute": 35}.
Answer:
{"hour": 11, "minute": 18}
